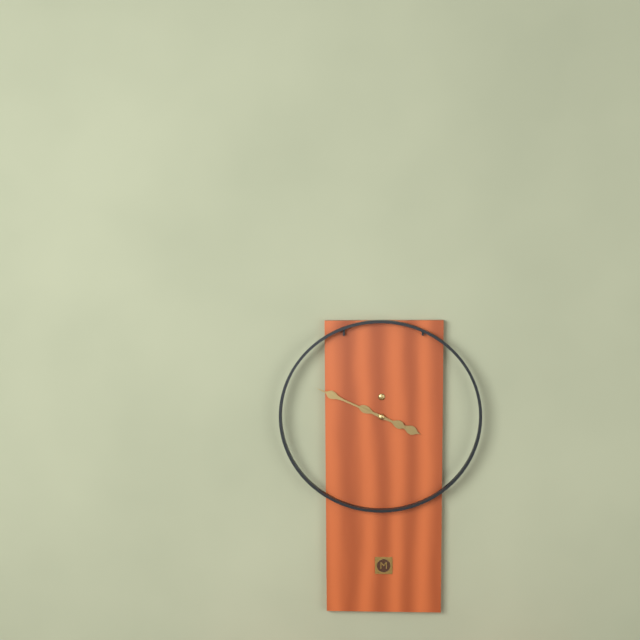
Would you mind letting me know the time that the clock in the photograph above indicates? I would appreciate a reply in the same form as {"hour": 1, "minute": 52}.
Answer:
{"hour": 3, "minute": 49}
